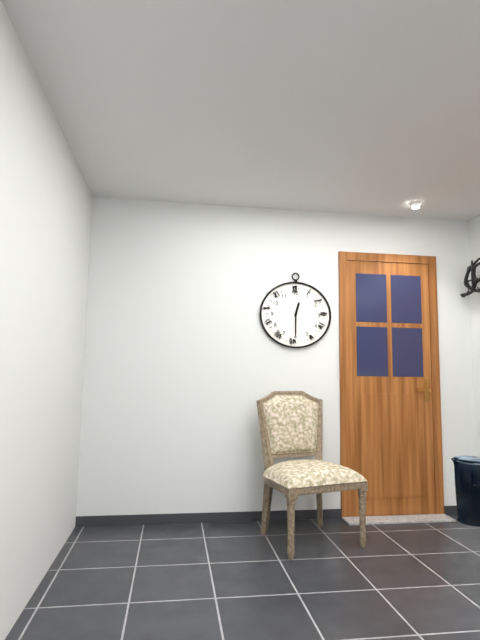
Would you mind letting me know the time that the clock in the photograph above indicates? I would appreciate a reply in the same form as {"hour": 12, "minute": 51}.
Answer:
{"hour": 12, "minute": 30}
